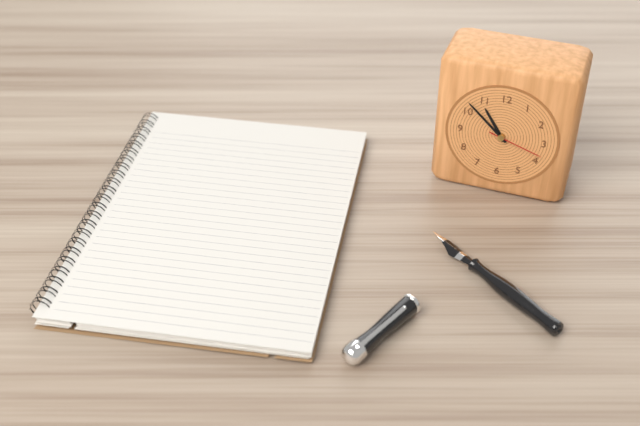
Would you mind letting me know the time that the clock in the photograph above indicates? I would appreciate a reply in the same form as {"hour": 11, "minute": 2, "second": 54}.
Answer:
{"hour": 10, "minute": 52, "second": 18}
